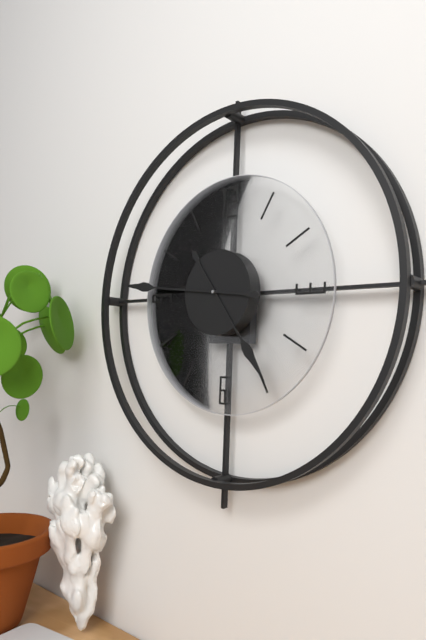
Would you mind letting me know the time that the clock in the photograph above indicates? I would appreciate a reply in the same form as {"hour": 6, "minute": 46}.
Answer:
{"hour": 4, "minute": 46}
